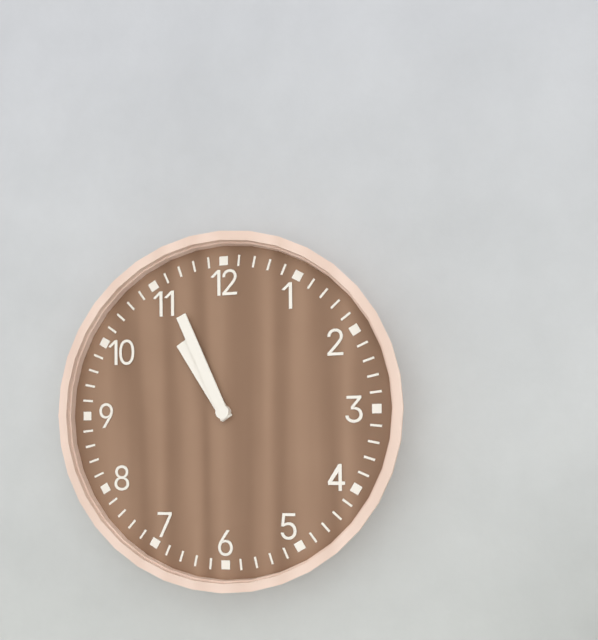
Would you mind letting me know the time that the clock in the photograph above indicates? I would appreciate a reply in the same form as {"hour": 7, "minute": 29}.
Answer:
{"hour": 10, "minute": 56}
